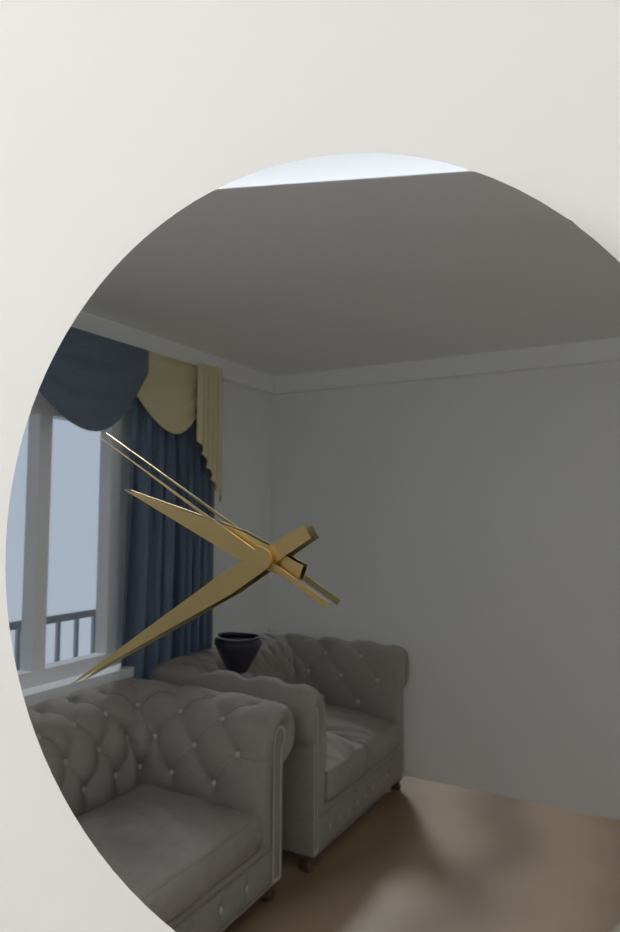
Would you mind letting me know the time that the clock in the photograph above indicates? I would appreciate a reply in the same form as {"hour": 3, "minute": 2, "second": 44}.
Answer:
{"hour": 9, "minute": 40, "second": 50}
